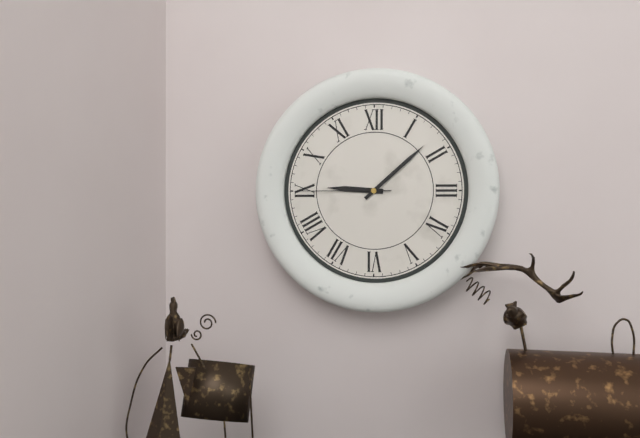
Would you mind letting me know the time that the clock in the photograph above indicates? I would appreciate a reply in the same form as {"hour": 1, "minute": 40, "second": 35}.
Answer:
{"hour": 9, "minute": 8, "second": 45}
